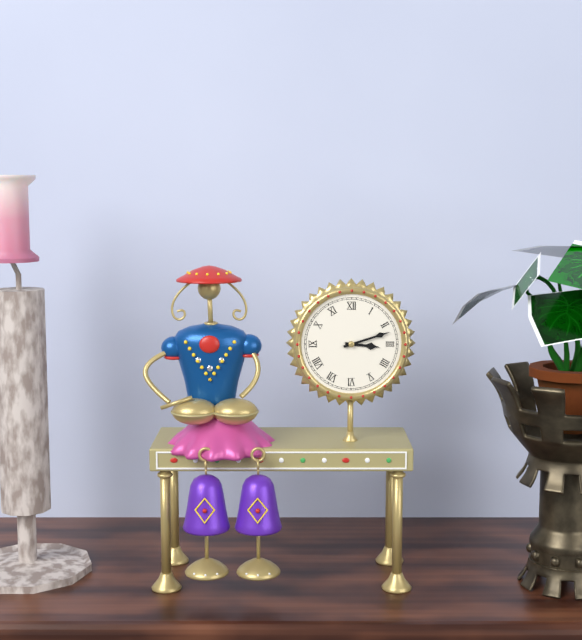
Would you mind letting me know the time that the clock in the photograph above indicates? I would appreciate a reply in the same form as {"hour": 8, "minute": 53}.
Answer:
{"hour": 3, "minute": 12}
